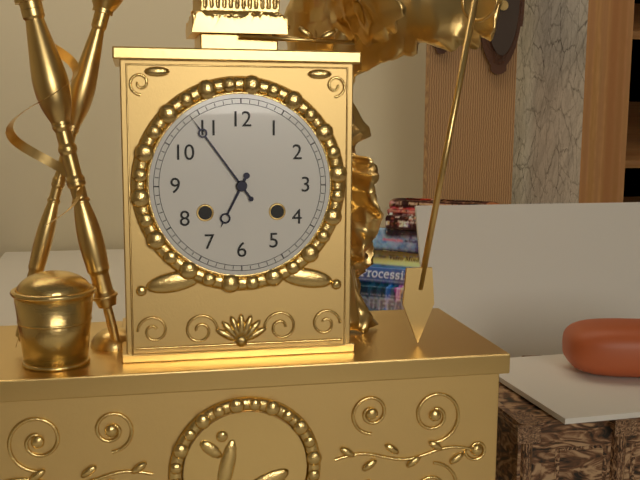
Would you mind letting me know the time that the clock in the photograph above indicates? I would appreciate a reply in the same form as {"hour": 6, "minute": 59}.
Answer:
{"hour": 6, "minute": 54}
